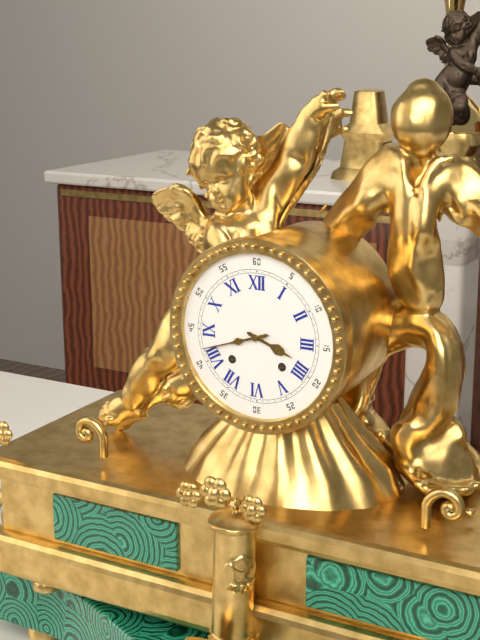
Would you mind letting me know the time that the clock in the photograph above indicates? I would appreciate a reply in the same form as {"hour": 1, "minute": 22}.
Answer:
{"hour": 3, "minute": 42}
